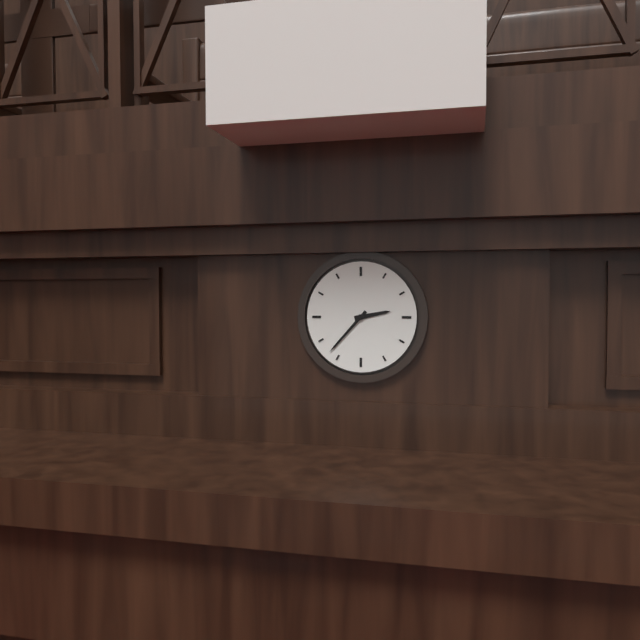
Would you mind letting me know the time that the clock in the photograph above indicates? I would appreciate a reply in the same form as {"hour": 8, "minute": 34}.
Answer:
{"hour": 2, "minute": 37}
